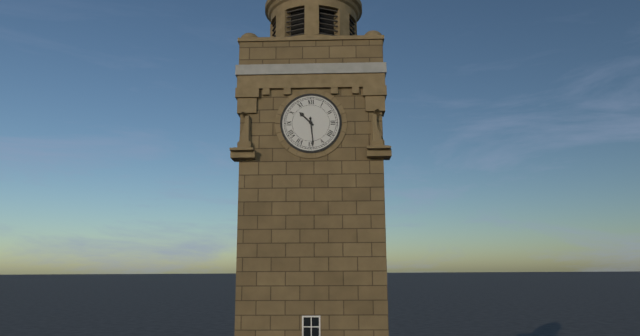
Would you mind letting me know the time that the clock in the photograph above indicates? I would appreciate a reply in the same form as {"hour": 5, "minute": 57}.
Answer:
{"hour": 10, "minute": 29}
